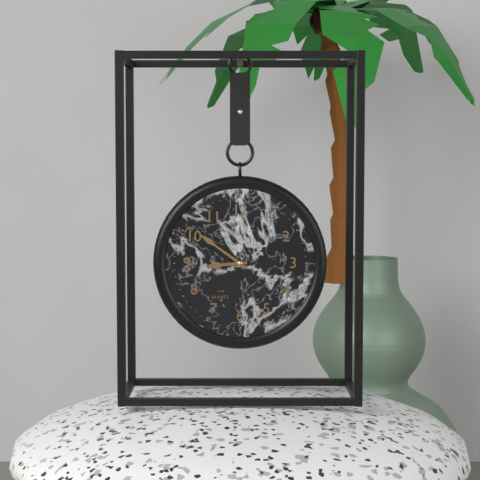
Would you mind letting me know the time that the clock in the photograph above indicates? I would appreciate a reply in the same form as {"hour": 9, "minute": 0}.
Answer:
{"hour": 8, "minute": 51}
